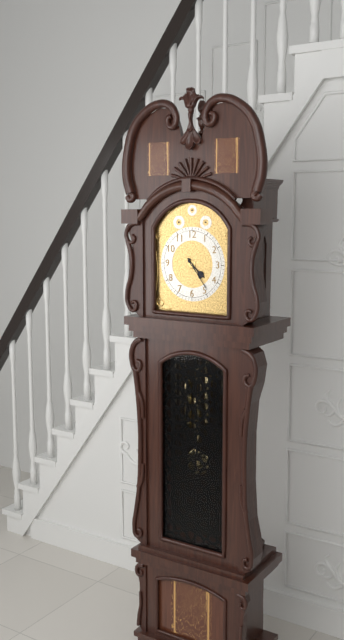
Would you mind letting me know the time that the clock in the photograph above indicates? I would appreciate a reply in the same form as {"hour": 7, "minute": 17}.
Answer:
{"hour": 4, "minute": 24}
